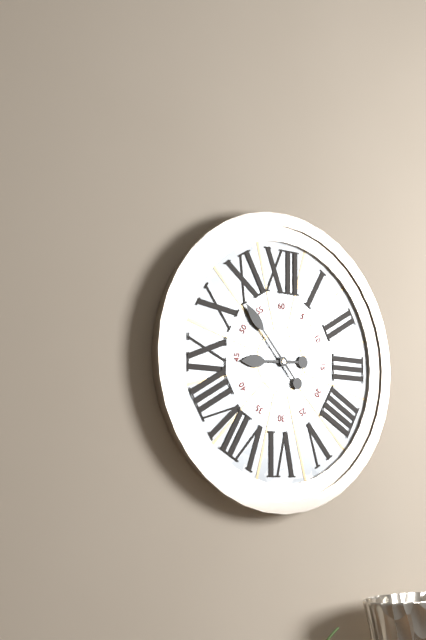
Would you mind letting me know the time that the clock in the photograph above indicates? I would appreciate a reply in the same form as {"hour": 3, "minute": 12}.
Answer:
{"hour": 8, "minute": 53}
